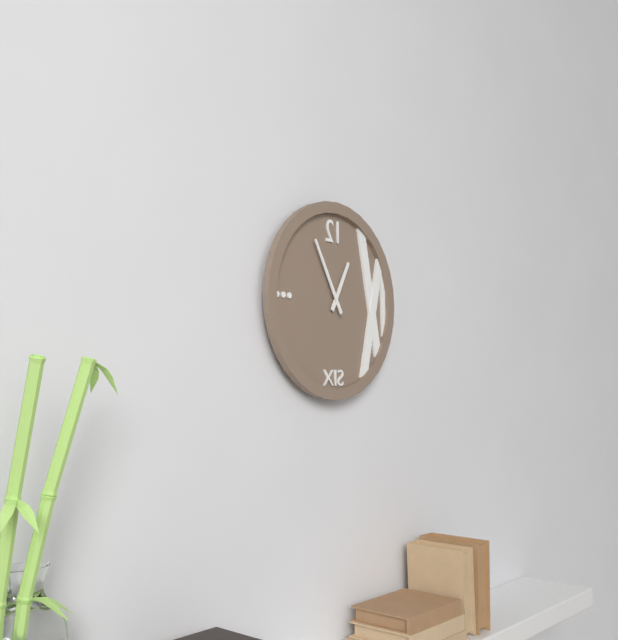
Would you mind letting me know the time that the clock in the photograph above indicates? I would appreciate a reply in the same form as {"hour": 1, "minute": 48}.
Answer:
{"hour": 12, "minute": 55}
